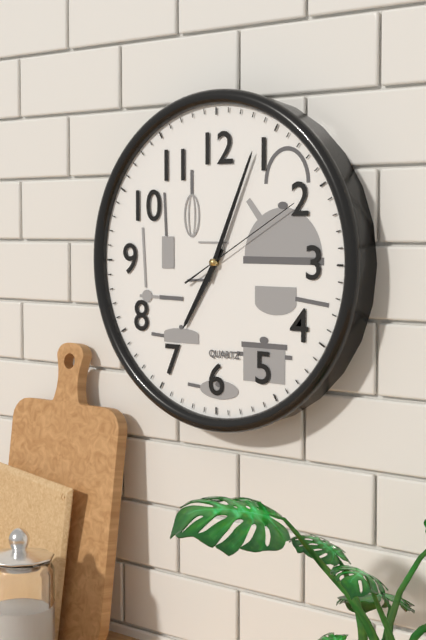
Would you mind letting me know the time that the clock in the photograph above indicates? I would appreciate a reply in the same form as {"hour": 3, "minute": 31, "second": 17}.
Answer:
{"hour": 7, "minute": 4, "second": 10}
